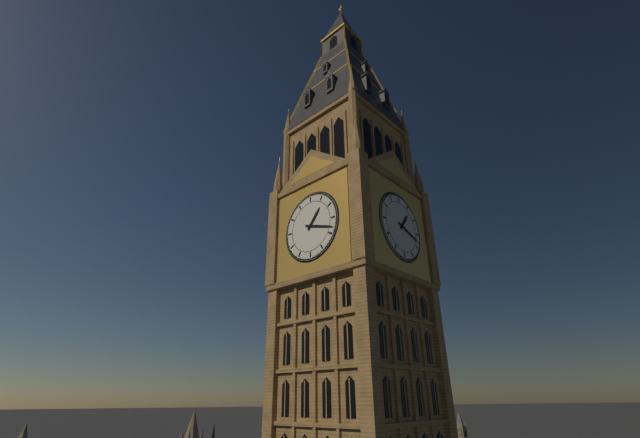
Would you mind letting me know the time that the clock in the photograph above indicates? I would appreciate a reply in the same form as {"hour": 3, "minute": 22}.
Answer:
{"hour": 1, "minute": 18}
